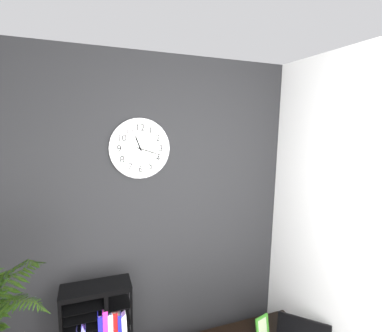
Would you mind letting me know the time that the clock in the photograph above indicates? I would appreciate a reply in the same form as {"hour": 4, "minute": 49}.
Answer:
{"hour": 11, "minute": 18}
